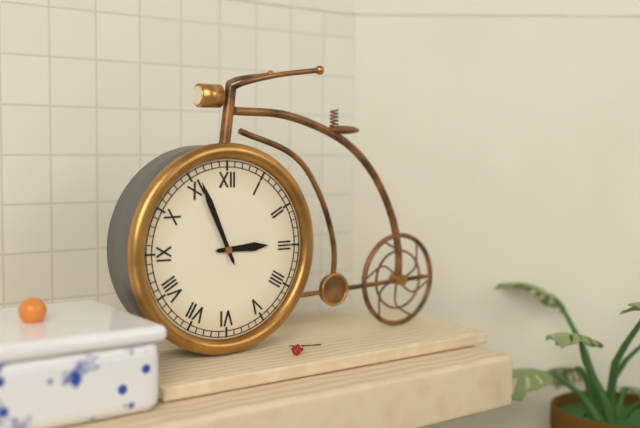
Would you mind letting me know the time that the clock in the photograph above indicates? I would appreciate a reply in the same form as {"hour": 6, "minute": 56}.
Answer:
{"hour": 2, "minute": 56}
